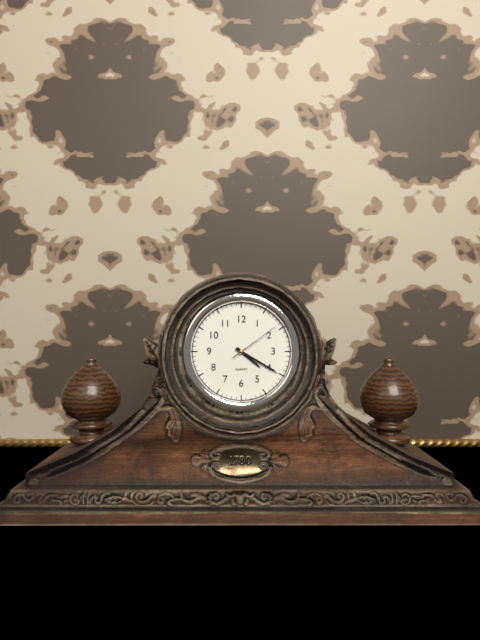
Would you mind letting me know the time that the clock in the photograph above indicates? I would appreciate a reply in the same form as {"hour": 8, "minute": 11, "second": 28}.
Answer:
{"hour": 4, "minute": 20, "second": 9}
